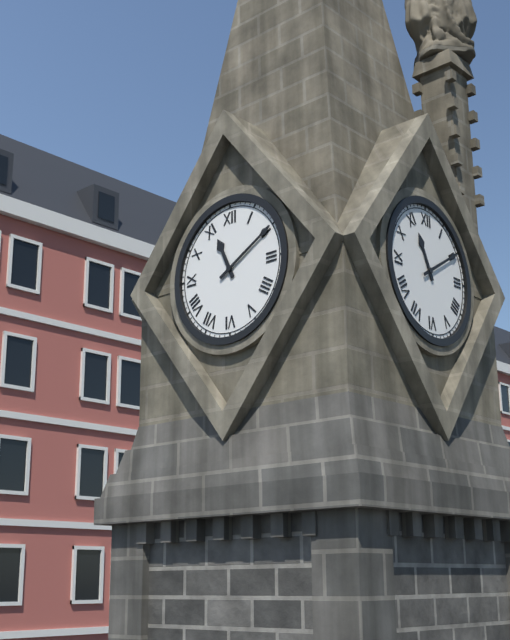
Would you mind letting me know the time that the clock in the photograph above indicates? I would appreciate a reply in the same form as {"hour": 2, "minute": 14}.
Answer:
{"hour": 11, "minute": 10}
